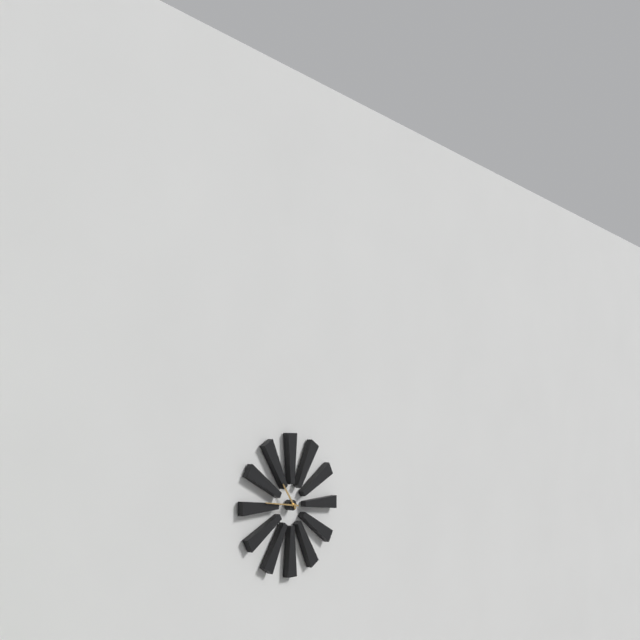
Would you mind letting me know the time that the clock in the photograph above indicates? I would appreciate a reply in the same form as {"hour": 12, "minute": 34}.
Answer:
{"hour": 10, "minute": 46}
